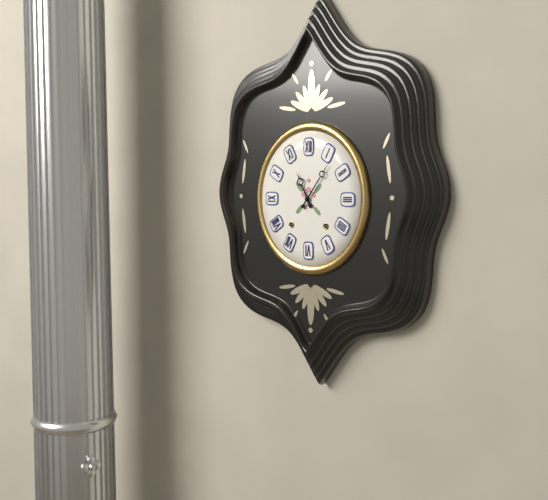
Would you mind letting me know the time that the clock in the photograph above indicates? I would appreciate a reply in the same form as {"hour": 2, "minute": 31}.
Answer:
{"hour": 11, "minute": 6}
